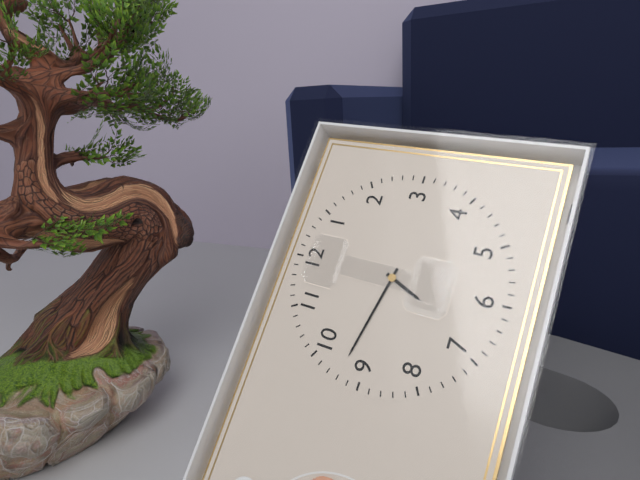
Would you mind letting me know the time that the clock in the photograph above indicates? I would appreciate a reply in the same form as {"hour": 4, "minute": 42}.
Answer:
{"hour": 6, "minute": 47}
